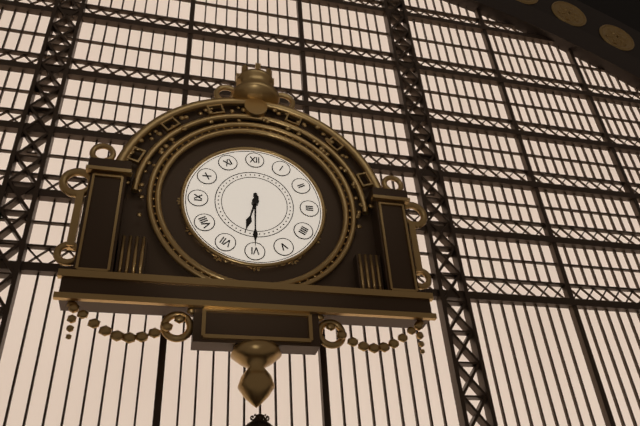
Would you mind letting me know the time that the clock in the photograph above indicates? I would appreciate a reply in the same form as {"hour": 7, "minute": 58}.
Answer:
{"hour": 6, "minute": 30}
